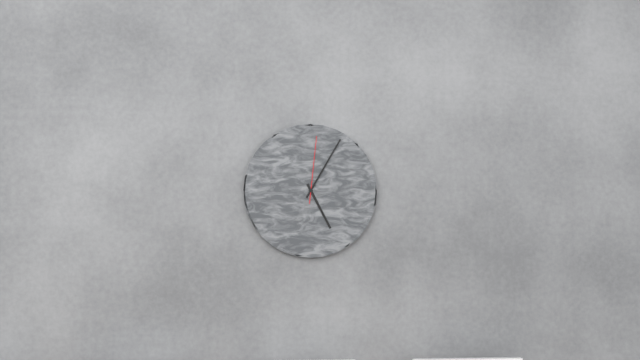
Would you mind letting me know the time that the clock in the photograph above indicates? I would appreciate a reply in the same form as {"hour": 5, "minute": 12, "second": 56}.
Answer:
{"hour": 5, "minute": 5, "second": 1}
